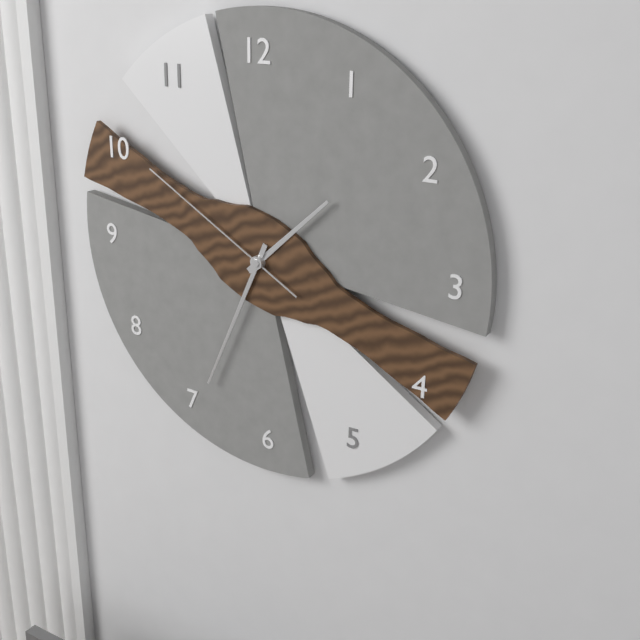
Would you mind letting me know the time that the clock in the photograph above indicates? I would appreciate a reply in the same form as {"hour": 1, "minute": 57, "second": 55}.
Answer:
{"hour": 1, "minute": 34, "second": 50}
